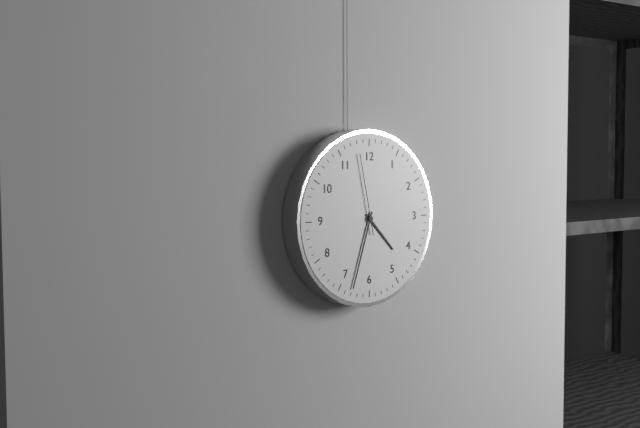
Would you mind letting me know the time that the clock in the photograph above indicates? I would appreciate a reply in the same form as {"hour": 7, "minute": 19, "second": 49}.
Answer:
{"hour": 4, "minute": 33, "second": 58}
